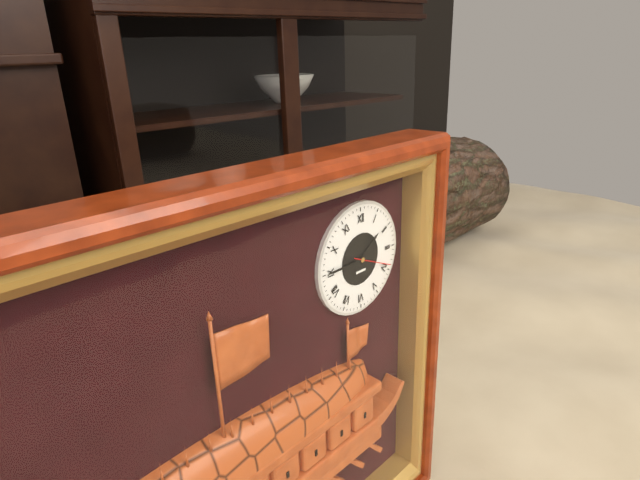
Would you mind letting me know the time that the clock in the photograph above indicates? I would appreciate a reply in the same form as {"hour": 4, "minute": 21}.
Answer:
{"hour": 1, "minute": 45}
